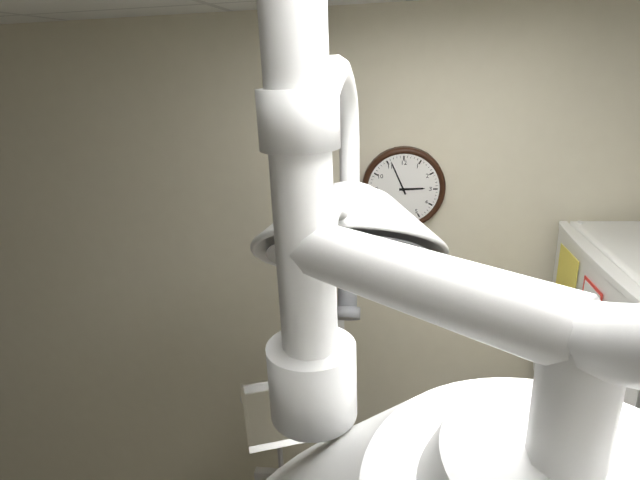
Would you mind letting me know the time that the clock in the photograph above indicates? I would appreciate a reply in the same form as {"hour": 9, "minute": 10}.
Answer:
{"hour": 2, "minute": 56}
